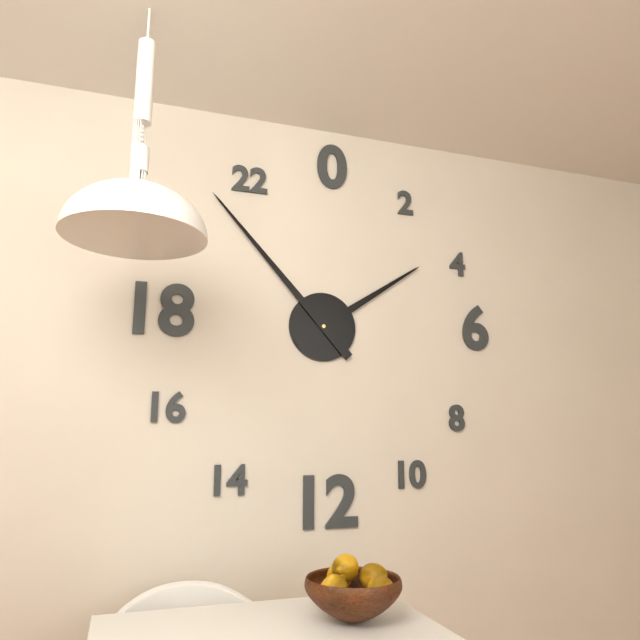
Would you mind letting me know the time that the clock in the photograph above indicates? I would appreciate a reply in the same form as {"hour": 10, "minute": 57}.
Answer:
{"hour": 1, "minute": 53}
